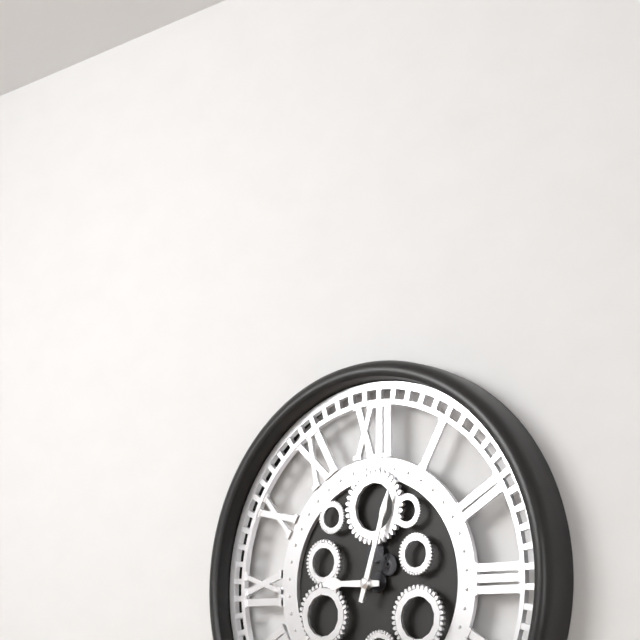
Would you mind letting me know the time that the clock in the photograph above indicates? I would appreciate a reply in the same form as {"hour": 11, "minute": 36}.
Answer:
{"hour": 9, "minute": 3}
